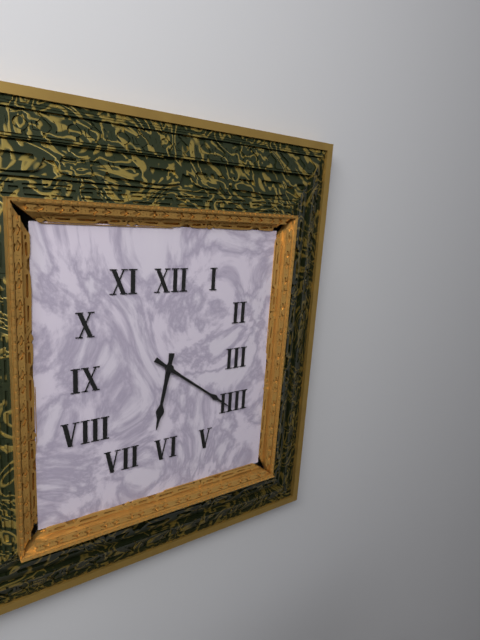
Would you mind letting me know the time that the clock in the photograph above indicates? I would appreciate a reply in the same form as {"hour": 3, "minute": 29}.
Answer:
{"hour": 6, "minute": 21}
